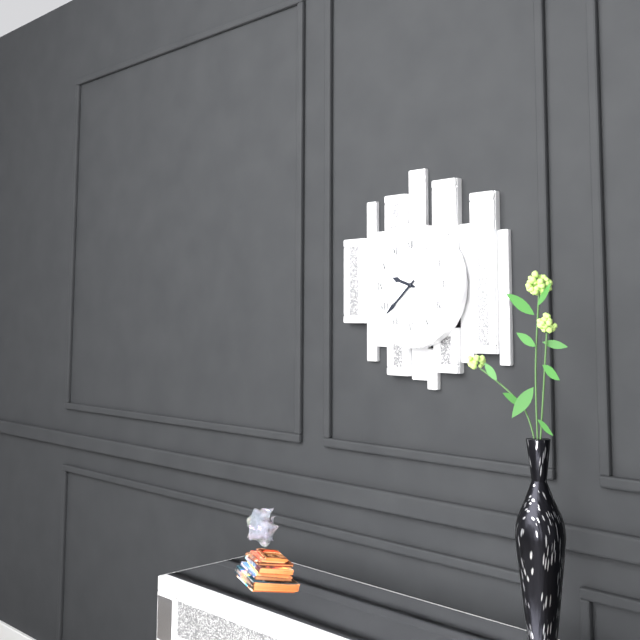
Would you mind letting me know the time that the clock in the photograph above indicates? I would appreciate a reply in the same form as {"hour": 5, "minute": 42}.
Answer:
{"hour": 9, "minute": 38}
